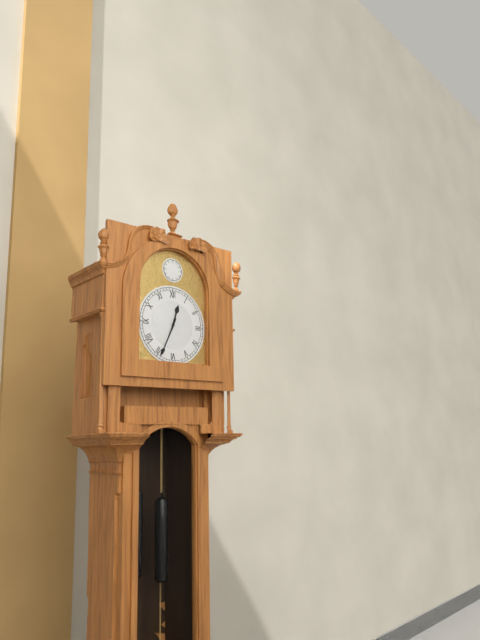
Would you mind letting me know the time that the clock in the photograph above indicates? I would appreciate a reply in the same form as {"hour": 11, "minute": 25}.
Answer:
{"hour": 12, "minute": 34}
